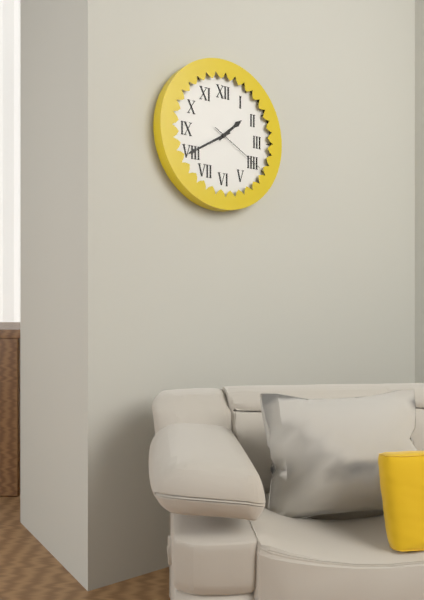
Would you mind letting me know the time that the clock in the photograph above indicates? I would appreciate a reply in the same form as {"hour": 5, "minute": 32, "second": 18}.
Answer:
{"hour": 1, "minute": 40, "second": 20}
